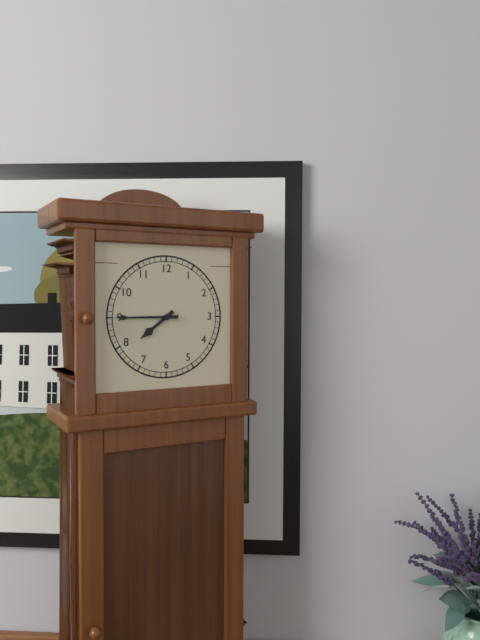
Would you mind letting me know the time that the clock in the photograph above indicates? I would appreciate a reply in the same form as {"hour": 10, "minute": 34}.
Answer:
{"hour": 7, "minute": 45}
